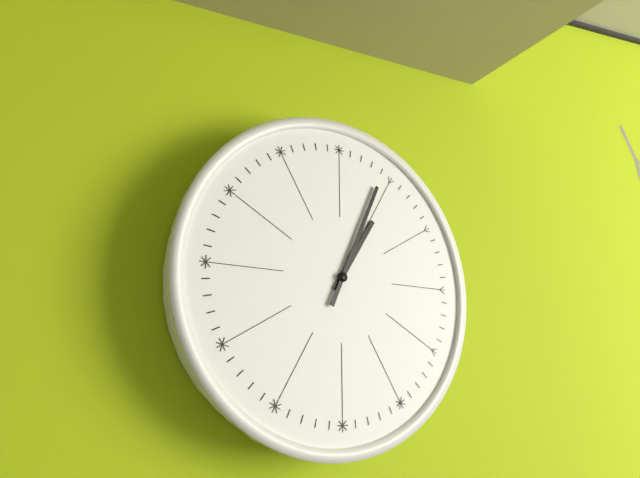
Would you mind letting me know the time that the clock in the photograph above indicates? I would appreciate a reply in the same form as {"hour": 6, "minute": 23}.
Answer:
{"hour": 1, "minute": 4}
